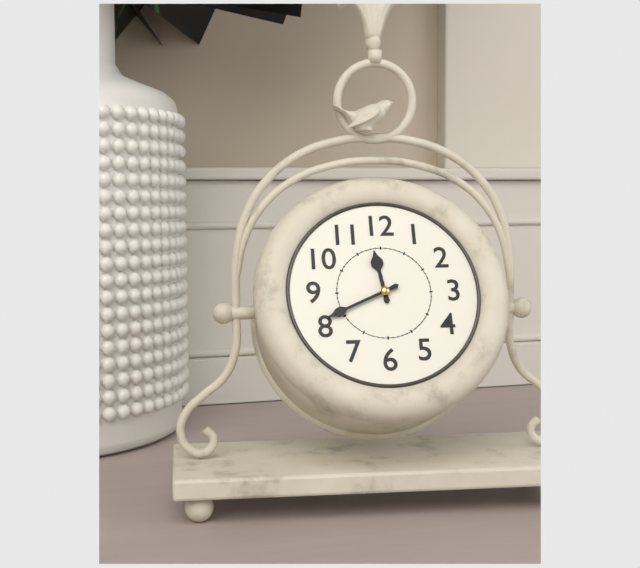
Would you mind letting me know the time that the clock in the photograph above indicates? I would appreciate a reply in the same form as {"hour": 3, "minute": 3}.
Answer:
{"hour": 11, "minute": 41}
